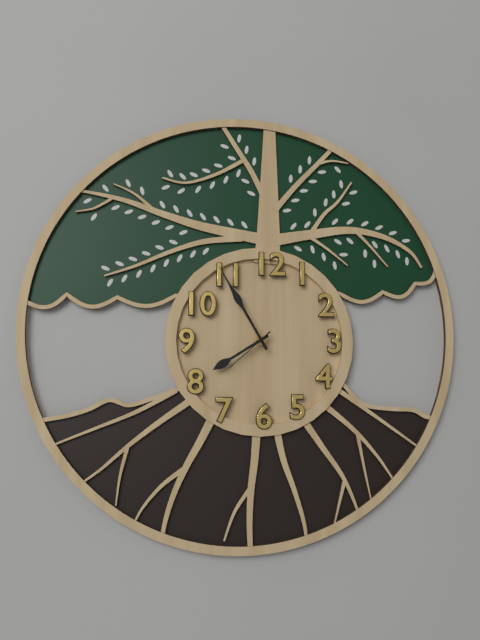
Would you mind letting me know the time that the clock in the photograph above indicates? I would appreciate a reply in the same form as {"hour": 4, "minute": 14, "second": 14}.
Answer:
{"hour": 7, "minute": 55, "second": 38}
